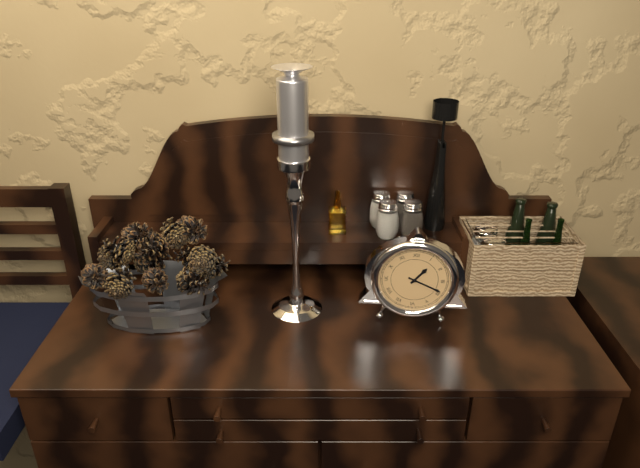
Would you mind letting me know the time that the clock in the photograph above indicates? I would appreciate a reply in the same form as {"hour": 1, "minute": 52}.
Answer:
{"hour": 1, "minute": 19}
